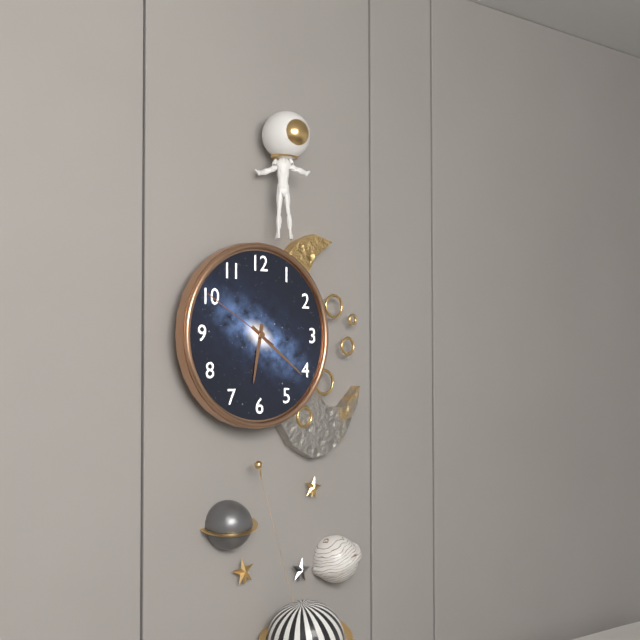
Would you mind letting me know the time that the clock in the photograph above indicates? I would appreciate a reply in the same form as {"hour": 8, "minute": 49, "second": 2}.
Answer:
{"hour": 6, "minute": 21, "second": 50}
